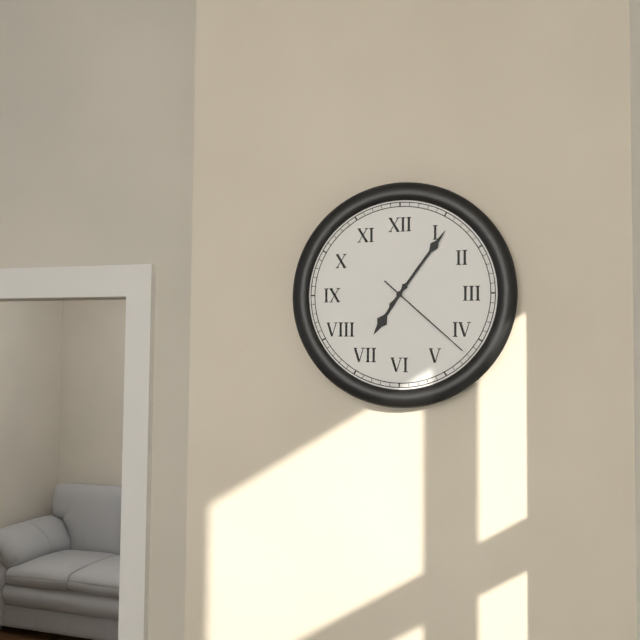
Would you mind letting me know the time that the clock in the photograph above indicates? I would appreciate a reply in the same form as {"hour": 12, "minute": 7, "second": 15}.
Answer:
{"hour": 7, "minute": 6, "second": 22}
